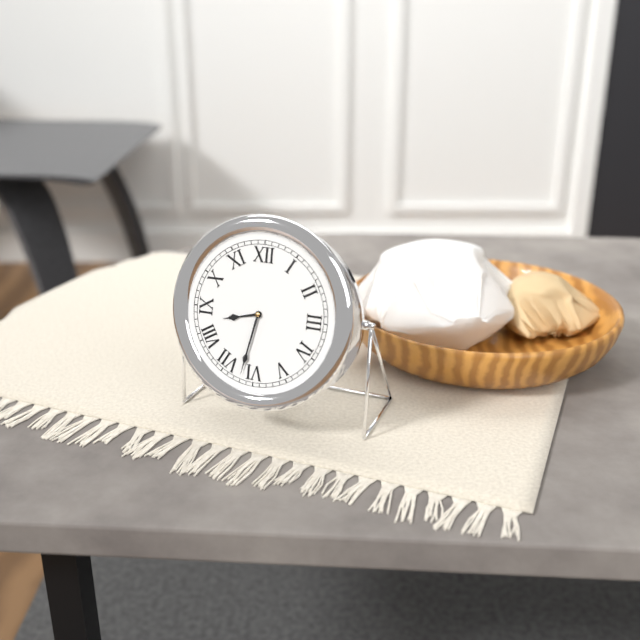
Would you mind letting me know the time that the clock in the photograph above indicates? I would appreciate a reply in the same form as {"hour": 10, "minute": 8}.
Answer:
{"hour": 8, "minute": 32}
